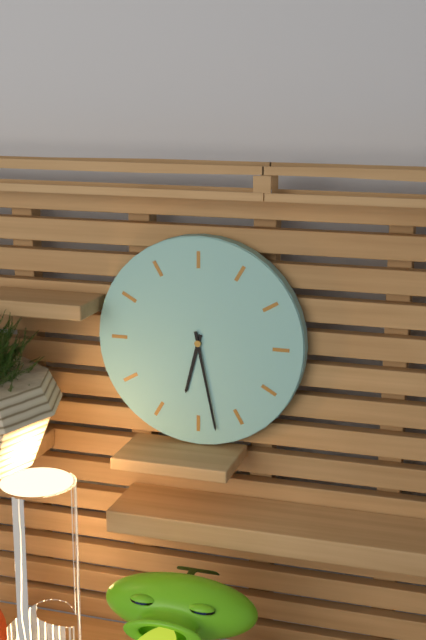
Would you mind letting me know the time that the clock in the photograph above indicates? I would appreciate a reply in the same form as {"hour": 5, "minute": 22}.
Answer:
{"hour": 6, "minute": 28}
